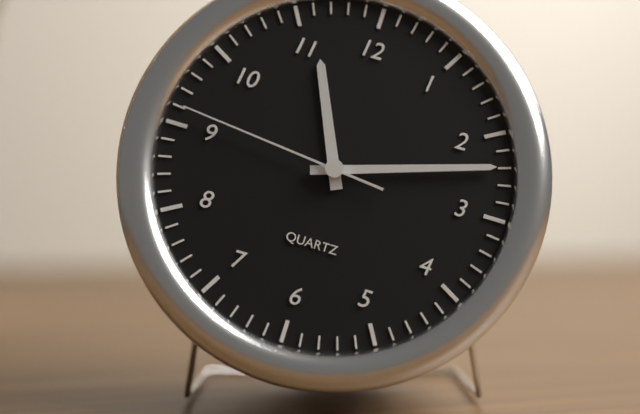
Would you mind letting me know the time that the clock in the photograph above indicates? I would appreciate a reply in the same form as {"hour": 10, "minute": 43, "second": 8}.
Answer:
{"hour": 11, "minute": 12, "second": 46}
